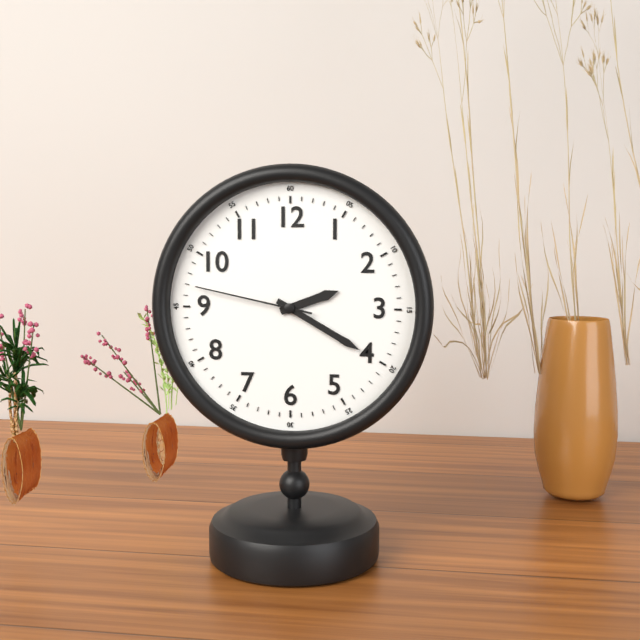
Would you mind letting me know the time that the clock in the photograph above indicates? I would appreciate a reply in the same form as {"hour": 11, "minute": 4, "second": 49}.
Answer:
{"hour": 2, "minute": 20, "second": 47}
